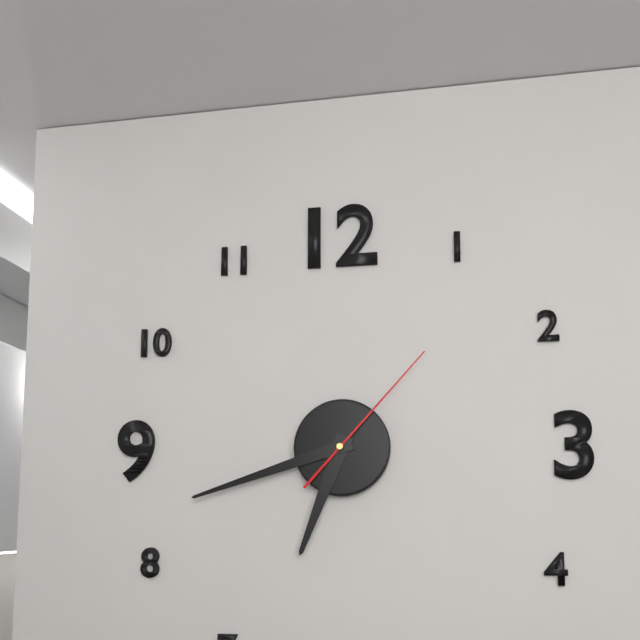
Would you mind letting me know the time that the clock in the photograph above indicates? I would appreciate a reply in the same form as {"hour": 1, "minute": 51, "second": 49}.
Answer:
{"hour": 6, "minute": 42, "second": 7}
